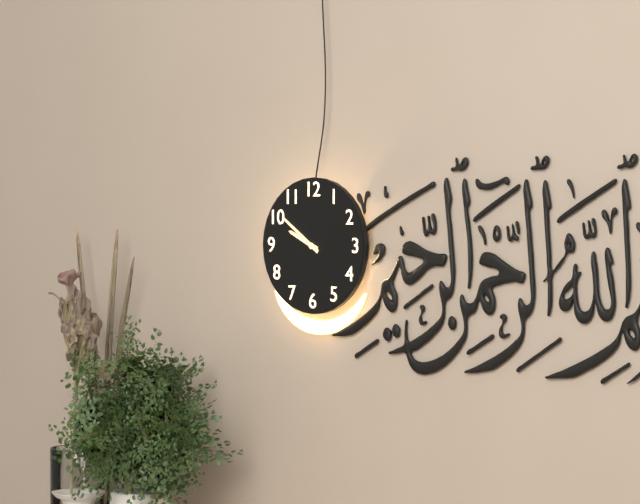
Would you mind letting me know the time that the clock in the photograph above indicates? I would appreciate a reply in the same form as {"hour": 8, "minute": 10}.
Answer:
{"hour": 9, "minute": 51}
